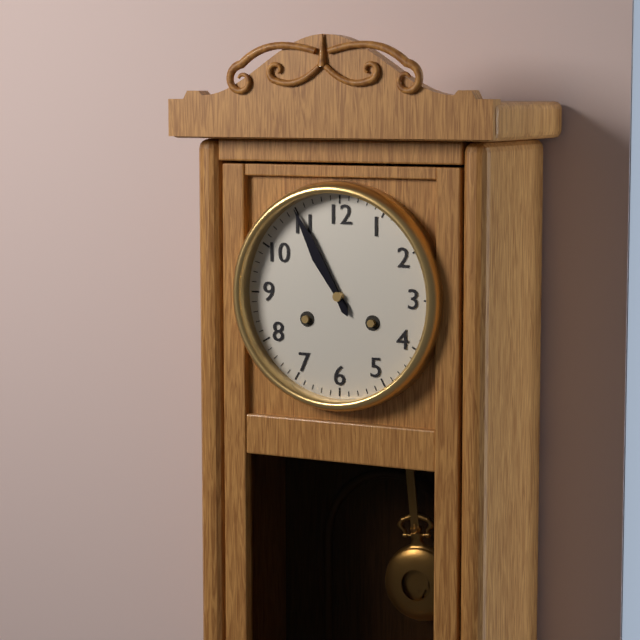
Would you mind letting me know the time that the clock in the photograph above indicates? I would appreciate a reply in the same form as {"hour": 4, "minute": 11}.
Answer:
{"hour": 10, "minute": 55}
